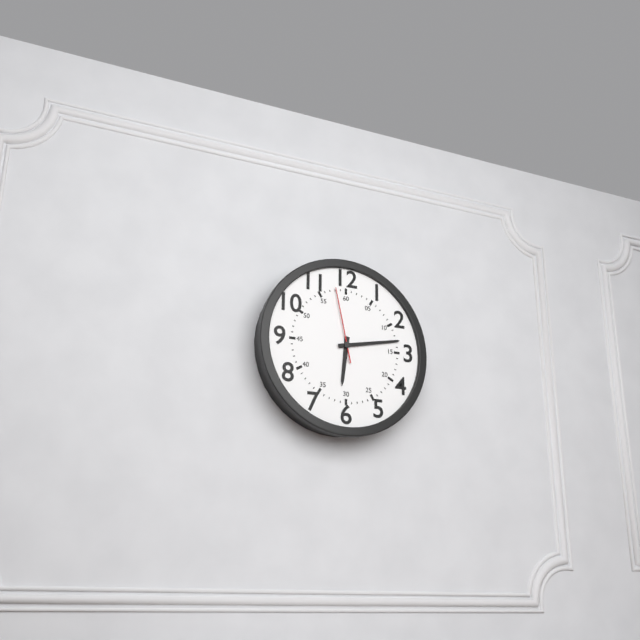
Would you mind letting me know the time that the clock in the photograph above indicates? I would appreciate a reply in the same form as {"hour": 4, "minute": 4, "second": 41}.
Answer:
{"hour": 6, "minute": 13, "second": 58}
